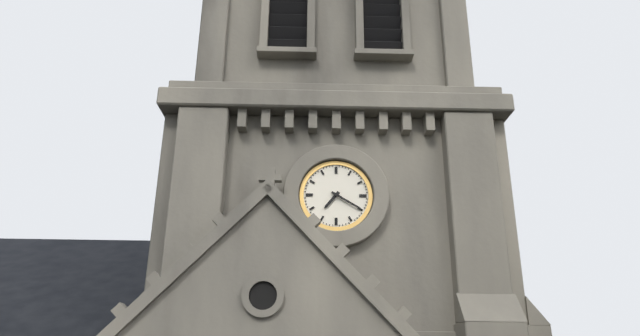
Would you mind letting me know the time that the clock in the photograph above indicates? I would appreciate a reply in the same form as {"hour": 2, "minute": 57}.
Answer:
{"hour": 7, "minute": 20}
